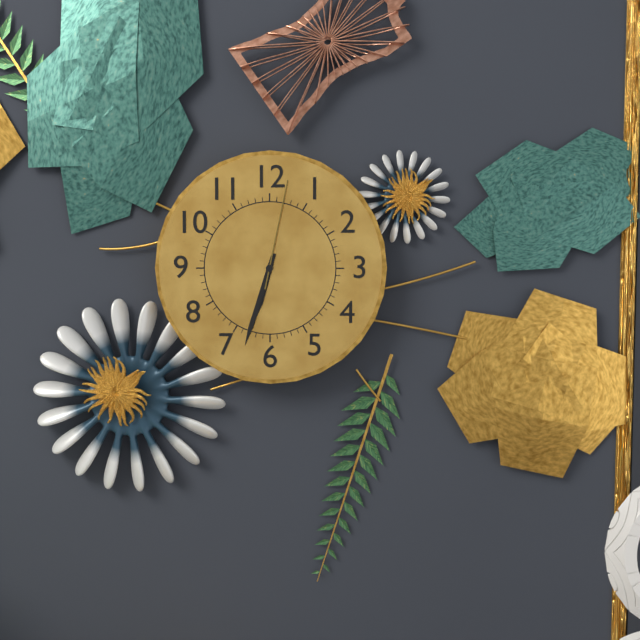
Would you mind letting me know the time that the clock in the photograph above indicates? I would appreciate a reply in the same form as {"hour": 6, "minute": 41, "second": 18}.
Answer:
{"hour": 6, "minute": 33, "second": 2}
